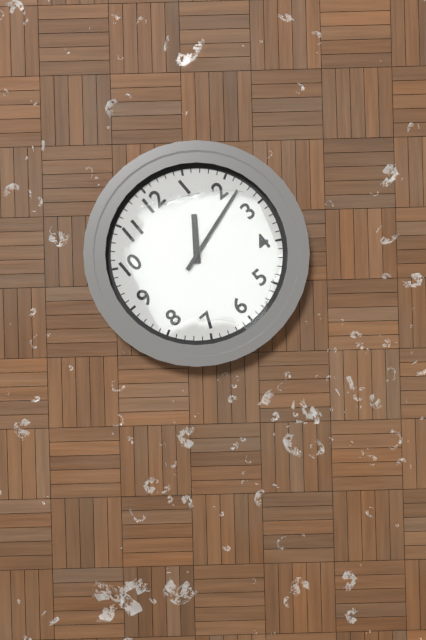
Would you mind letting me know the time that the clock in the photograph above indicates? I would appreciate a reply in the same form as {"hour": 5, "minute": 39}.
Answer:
{"hour": 1, "minute": 12}
